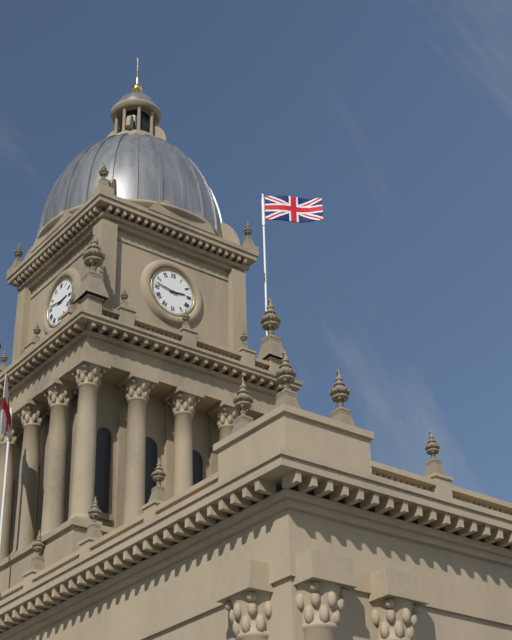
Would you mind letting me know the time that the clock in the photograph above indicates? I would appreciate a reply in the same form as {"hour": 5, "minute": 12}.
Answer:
{"hour": 2, "minute": 47}
